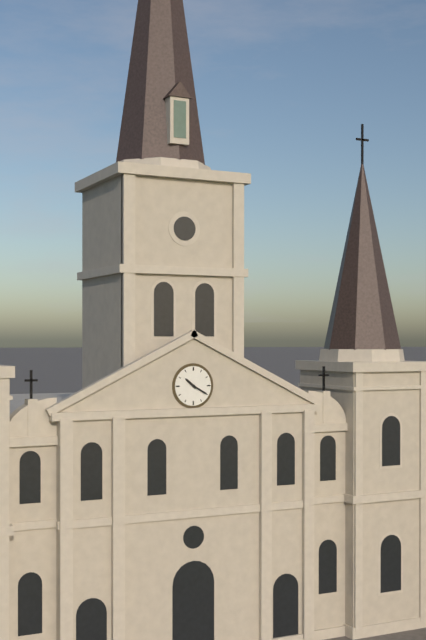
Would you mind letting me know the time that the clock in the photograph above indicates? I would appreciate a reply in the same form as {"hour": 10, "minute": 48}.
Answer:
{"hour": 10, "minute": 20}
